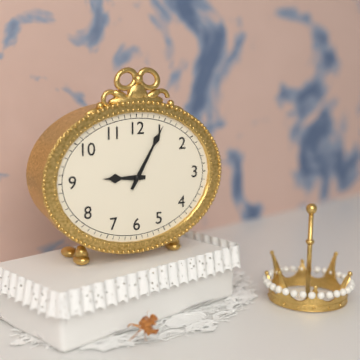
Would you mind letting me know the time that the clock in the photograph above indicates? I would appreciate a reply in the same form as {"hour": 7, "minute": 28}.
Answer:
{"hour": 9, "minute": 5}
